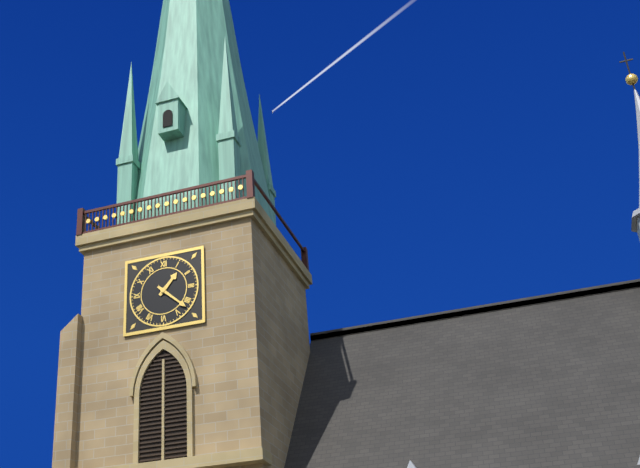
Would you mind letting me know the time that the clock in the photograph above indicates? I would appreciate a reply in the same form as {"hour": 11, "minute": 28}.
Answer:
{"hour": 1, "minute": 22}
